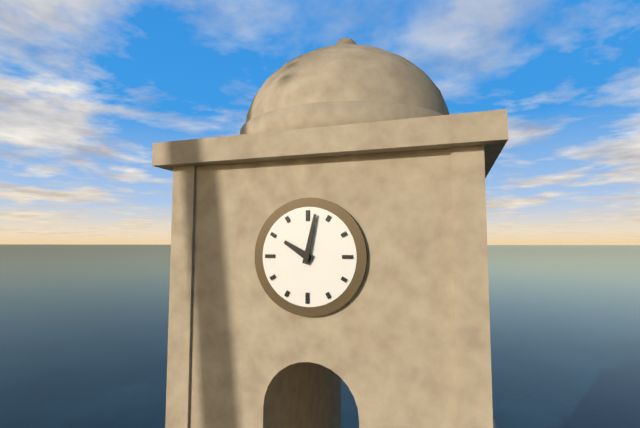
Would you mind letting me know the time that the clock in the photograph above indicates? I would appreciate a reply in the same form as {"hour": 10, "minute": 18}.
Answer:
{"hour": 10, "minute": 2}
